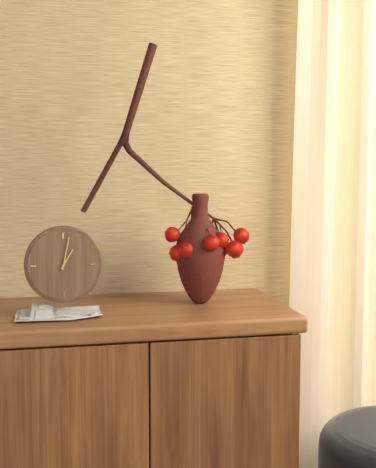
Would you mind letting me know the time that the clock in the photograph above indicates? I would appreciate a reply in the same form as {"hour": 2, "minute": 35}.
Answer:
{"hour": 1, "minute": 2}
